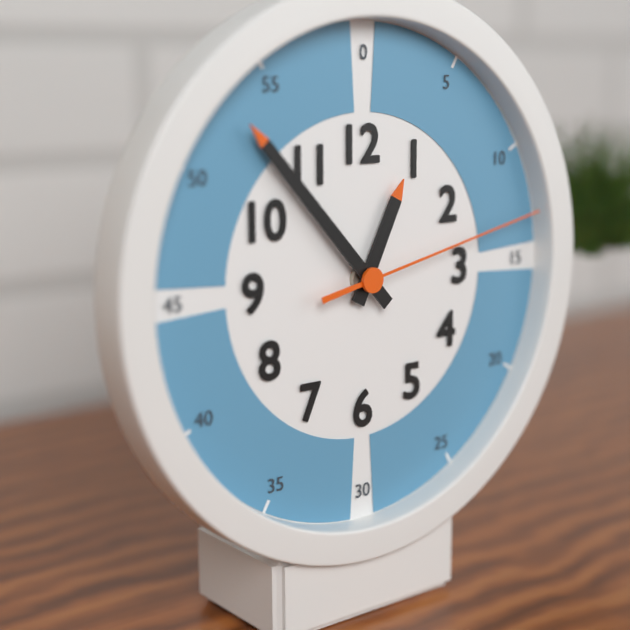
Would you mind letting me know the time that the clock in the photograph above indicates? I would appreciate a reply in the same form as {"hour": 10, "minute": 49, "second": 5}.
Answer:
{"hour": 12, "minute": 53, "second": 13}
